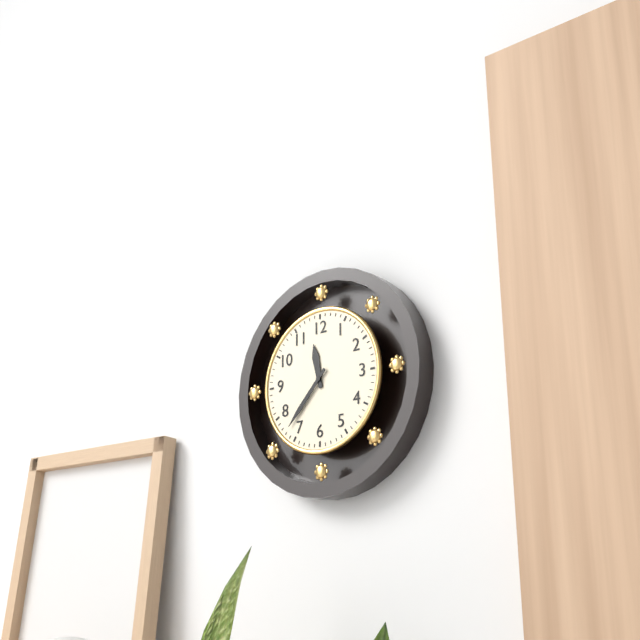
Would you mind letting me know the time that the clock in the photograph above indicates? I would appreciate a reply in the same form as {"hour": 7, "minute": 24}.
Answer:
{"hour": 11, "minute": 37}
